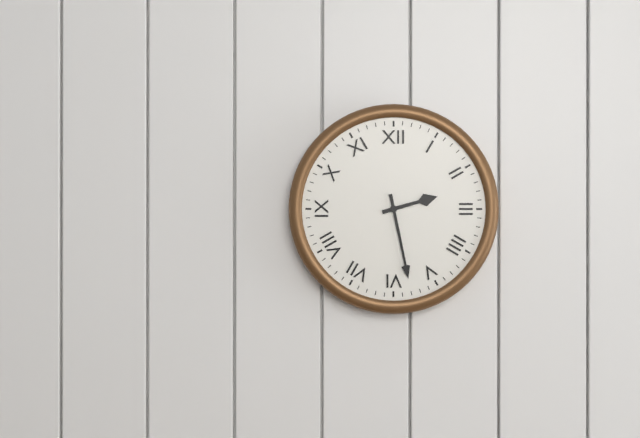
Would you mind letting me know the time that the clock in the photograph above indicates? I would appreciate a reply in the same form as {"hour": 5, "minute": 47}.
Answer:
{"hour": 2, "minute": 28}
